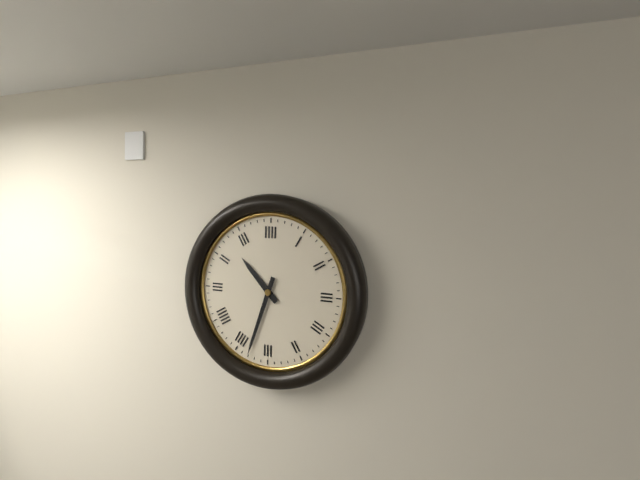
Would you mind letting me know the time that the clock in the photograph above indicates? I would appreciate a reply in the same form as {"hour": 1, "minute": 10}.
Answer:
{"hour": 10, "minute": 33}
